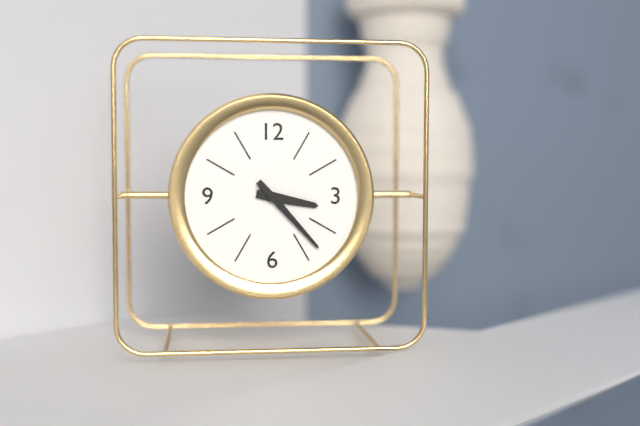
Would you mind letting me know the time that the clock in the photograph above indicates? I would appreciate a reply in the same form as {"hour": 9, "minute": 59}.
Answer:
{"hour": 3, "minute": 23}
